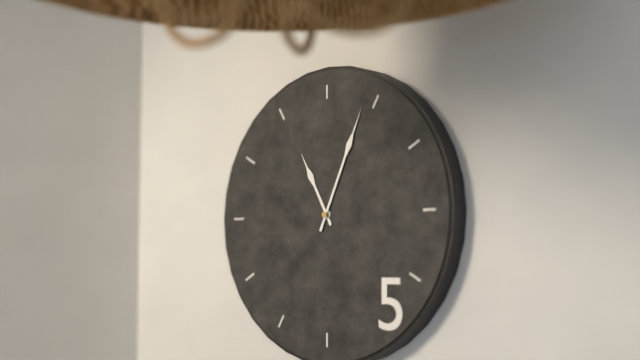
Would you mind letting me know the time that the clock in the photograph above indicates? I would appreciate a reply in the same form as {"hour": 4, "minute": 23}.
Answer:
{"hour": 11, "minute": 4}
